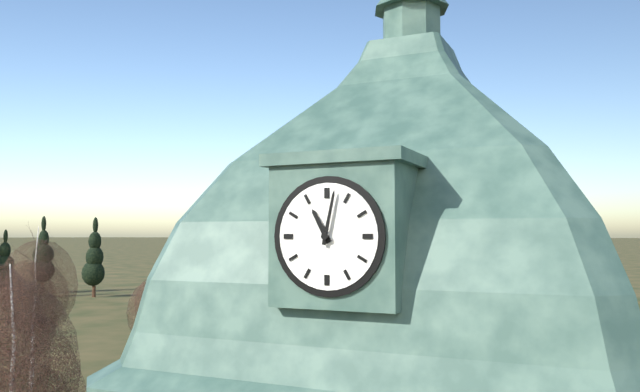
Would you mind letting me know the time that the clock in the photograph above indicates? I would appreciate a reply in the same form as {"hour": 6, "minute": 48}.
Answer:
{"hour": 11, "minute": 2}
